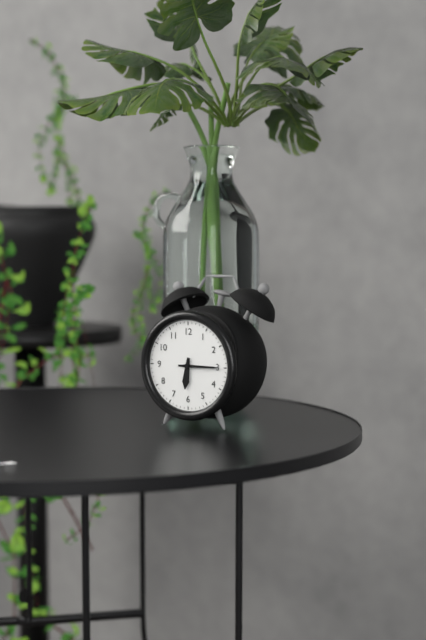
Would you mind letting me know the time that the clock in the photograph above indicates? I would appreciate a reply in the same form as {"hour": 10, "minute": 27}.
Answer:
{"hour": 6, "minute": 15}
